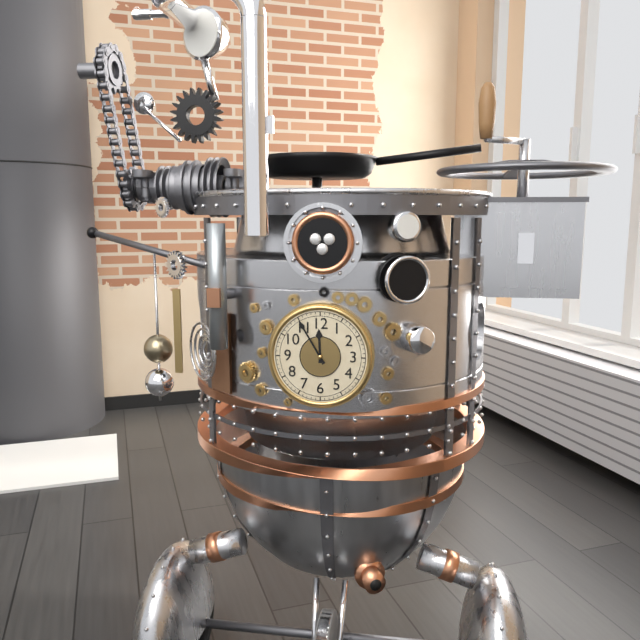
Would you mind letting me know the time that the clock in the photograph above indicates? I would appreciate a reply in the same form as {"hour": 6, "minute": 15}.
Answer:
{"hour": 11, "minute": 55}
